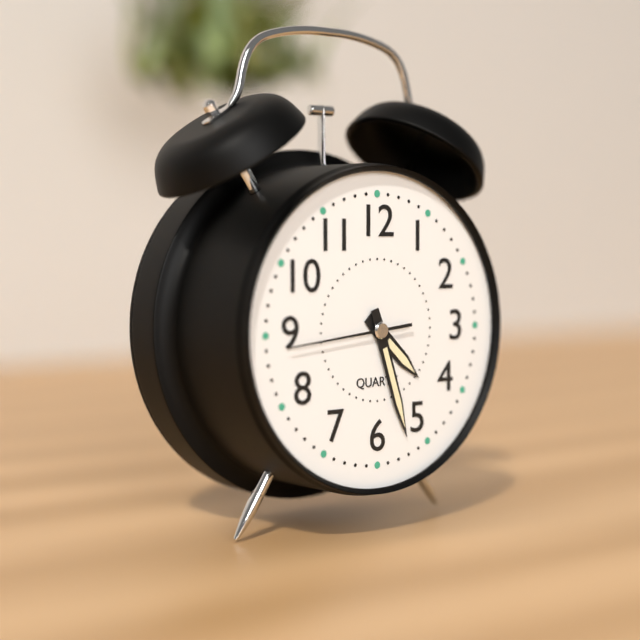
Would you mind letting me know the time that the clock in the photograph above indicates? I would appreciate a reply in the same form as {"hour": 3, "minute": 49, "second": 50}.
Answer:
{"hour": 4, "minute": 27, "second": 44}
